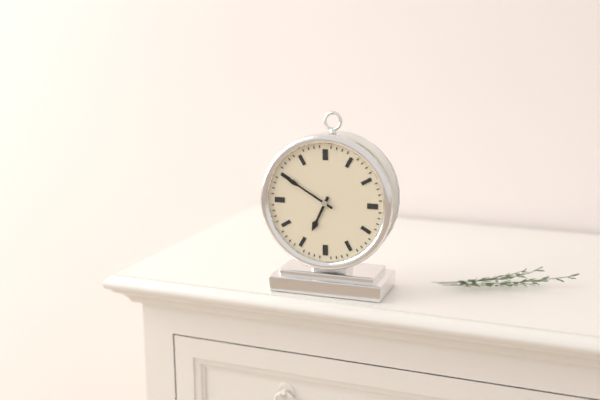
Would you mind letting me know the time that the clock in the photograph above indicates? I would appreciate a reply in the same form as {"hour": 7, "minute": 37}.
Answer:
{"hour": 6, "minute": 50}
